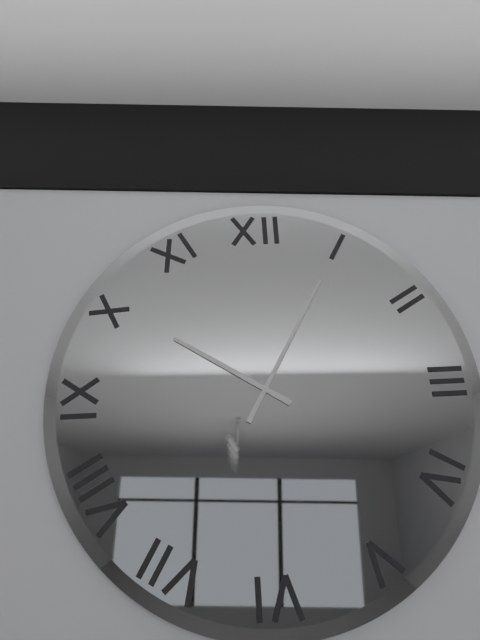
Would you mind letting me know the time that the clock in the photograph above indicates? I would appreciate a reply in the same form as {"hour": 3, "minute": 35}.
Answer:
{"hour": 10, "minute": 5}
